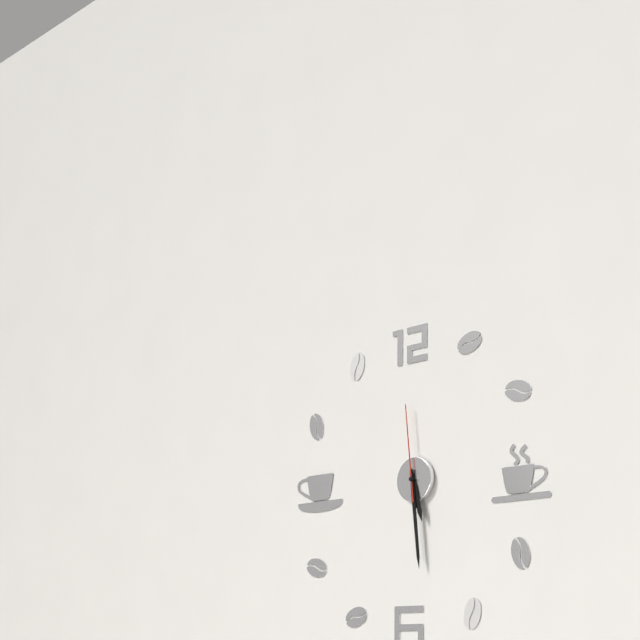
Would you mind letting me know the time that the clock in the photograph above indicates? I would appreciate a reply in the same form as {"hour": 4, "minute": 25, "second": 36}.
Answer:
{"hour": 5, "minute": 29, "second": 59}
